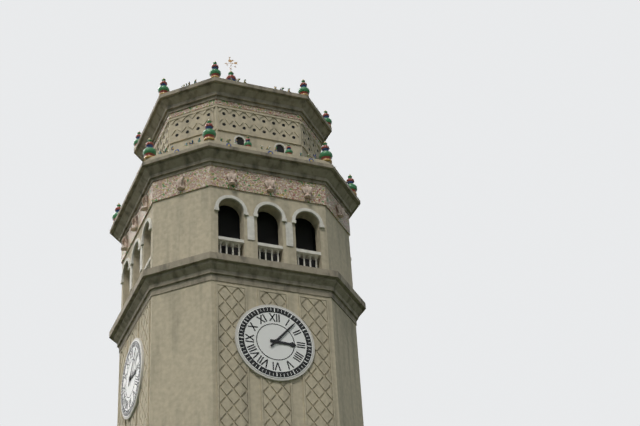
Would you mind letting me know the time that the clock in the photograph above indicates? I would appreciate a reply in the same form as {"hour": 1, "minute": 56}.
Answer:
{"hour": 3, "minute": 7}
